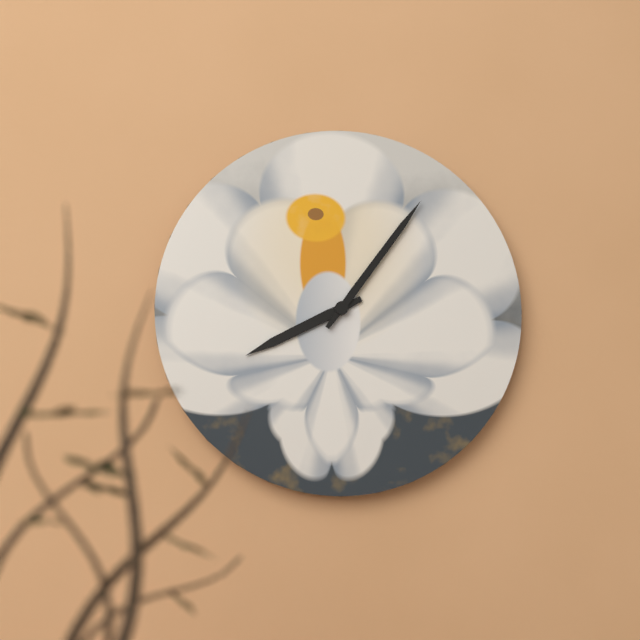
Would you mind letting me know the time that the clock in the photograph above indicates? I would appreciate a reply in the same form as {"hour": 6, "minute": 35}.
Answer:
{"hour": 8, "minute": 6}
